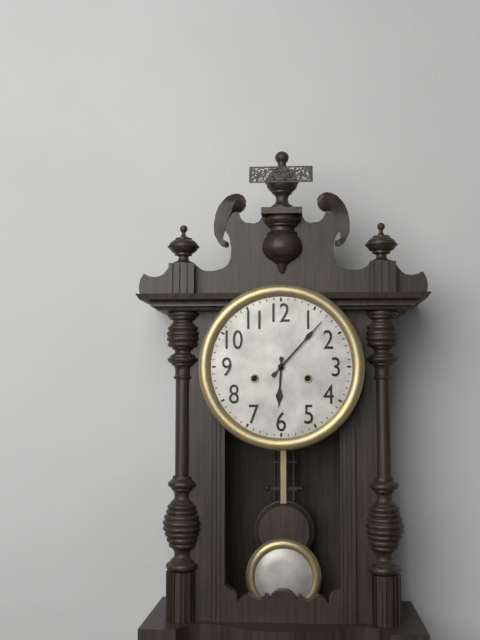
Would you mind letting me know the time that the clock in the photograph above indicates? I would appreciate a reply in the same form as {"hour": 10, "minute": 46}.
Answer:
{"hour": 6, "minute": 7}
